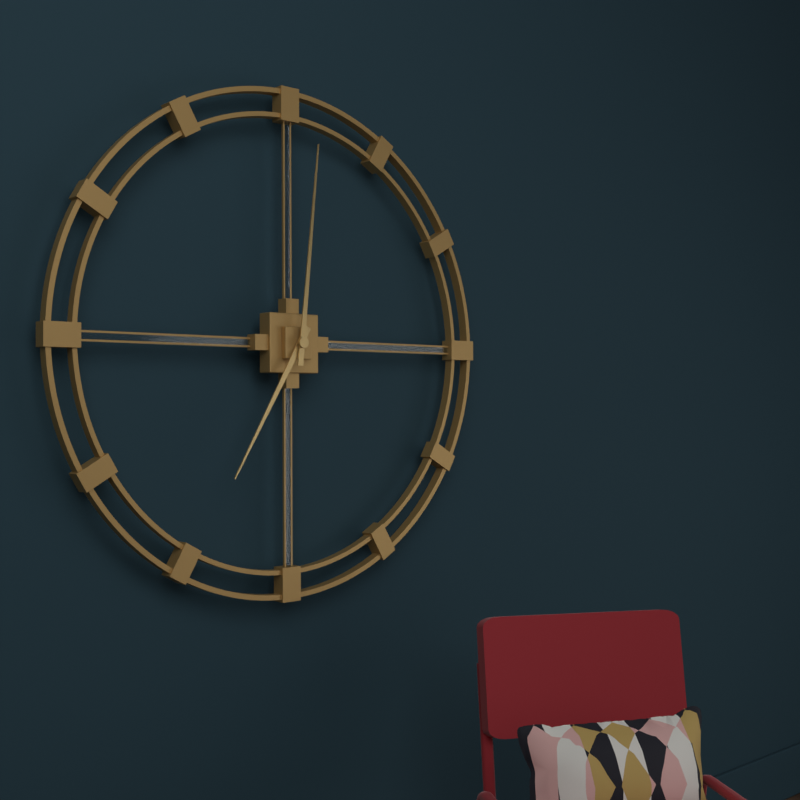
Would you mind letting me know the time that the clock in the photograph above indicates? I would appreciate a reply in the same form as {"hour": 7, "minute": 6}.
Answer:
{"hour": 7, "minute": 1}
